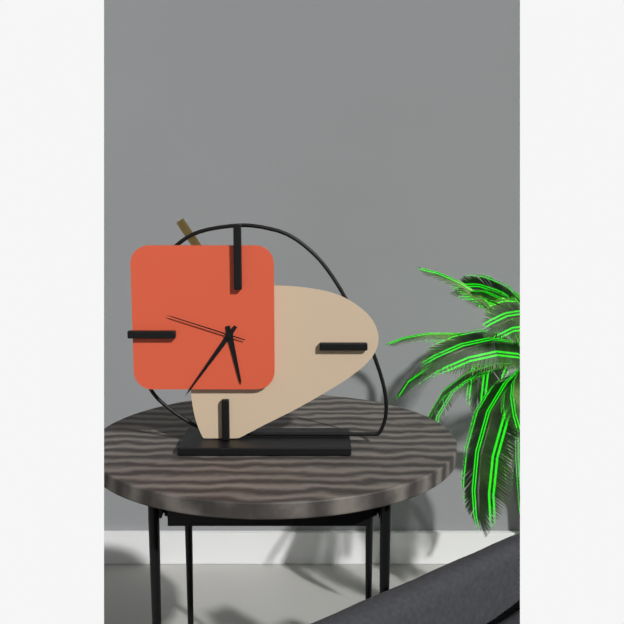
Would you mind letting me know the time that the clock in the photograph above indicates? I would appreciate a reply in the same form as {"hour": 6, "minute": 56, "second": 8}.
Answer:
{"hour": 5, "minute": 36, "second": 48}
